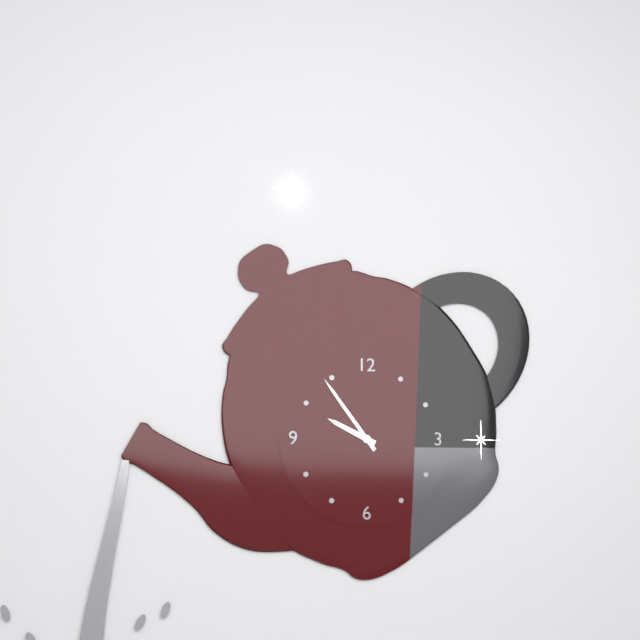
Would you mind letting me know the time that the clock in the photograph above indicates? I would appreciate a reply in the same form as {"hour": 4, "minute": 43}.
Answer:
{"hour": 9, "minute": 54}
